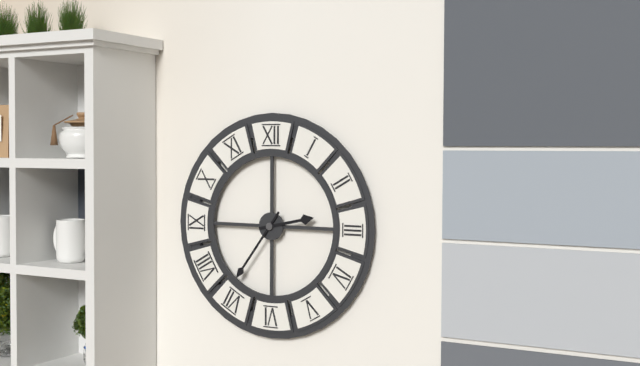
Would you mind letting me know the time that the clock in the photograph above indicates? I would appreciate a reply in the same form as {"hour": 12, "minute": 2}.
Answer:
{"hour": 2, "minute": 36}
